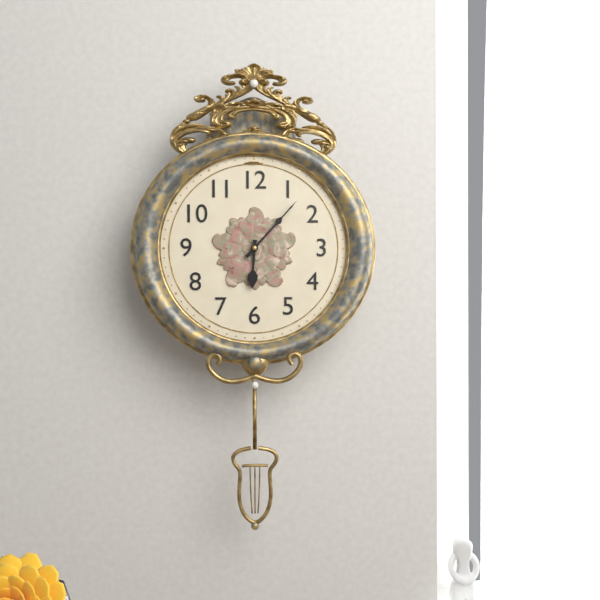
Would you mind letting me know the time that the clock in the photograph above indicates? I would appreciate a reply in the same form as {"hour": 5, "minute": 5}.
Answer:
{"hour": 6, "minute": 7}
